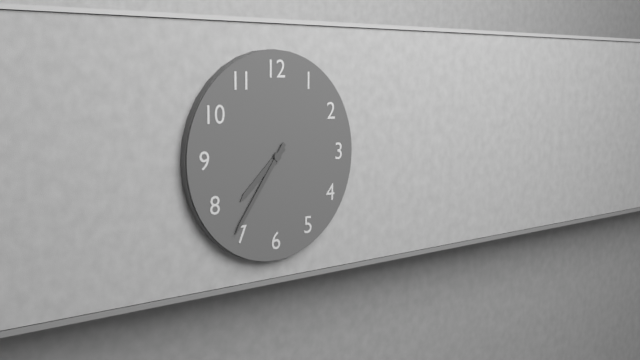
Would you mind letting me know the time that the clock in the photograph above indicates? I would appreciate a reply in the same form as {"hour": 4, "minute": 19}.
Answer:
{"hour": 7, "minute": 36}
